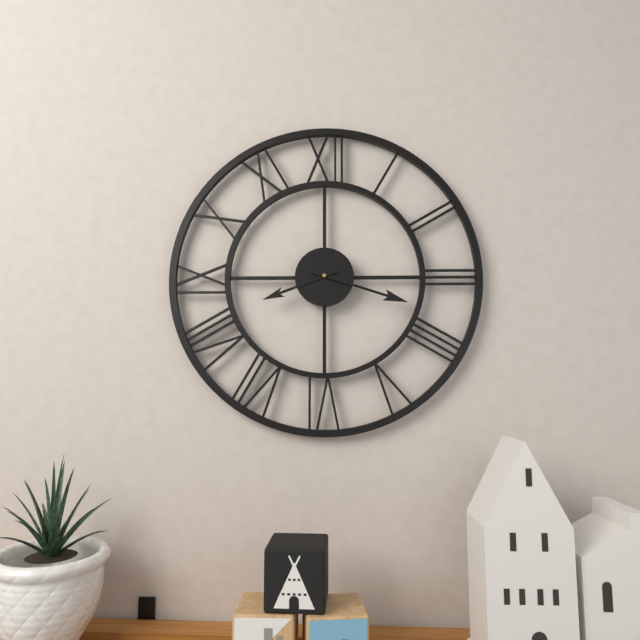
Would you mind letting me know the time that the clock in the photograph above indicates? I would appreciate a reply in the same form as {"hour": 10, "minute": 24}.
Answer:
{"hour": 8, "minute": 18}
